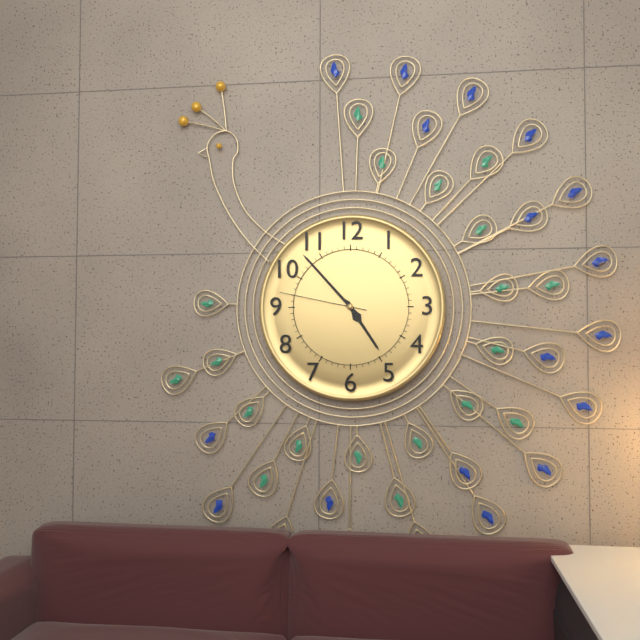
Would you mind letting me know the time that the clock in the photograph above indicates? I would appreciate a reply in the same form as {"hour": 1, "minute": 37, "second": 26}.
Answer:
{"hour": 4, "minute": 53, "second": 47}
